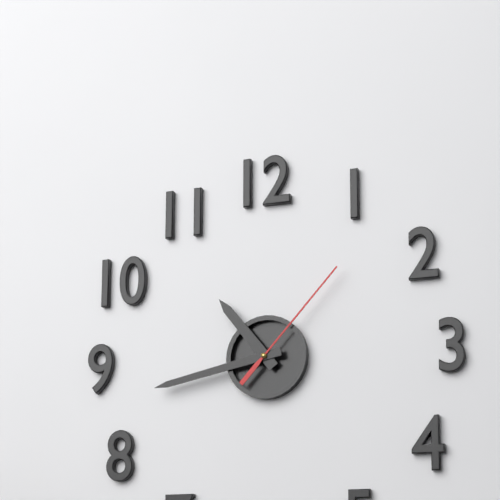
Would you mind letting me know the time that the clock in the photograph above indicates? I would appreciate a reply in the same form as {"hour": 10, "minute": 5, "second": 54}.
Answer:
{"hour": 10, "minute": 43, "second": 7}
